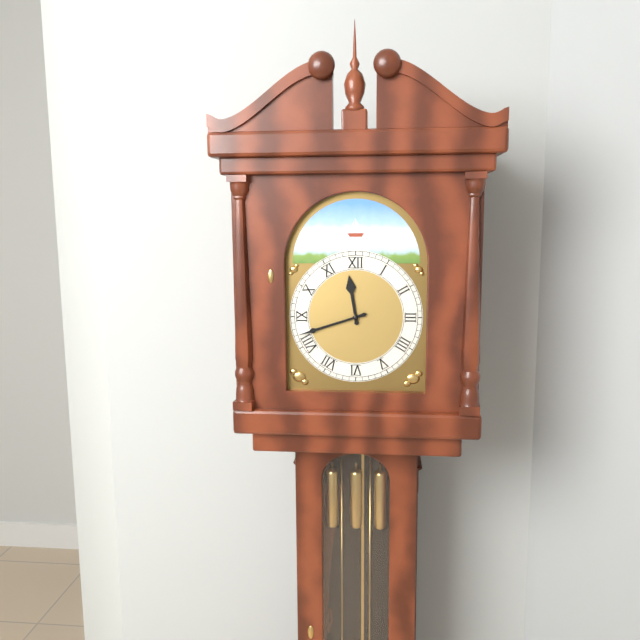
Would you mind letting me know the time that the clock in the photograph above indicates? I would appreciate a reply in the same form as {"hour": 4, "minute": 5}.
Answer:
{"hour": 11, "minute": 42}
